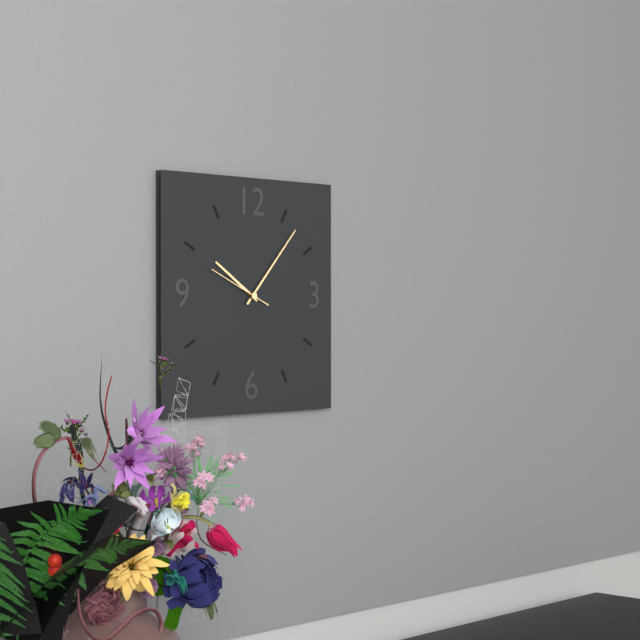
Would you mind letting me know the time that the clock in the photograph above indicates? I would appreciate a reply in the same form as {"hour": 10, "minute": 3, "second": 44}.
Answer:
{"hour": 10, "minute": 7, "second": 49}
